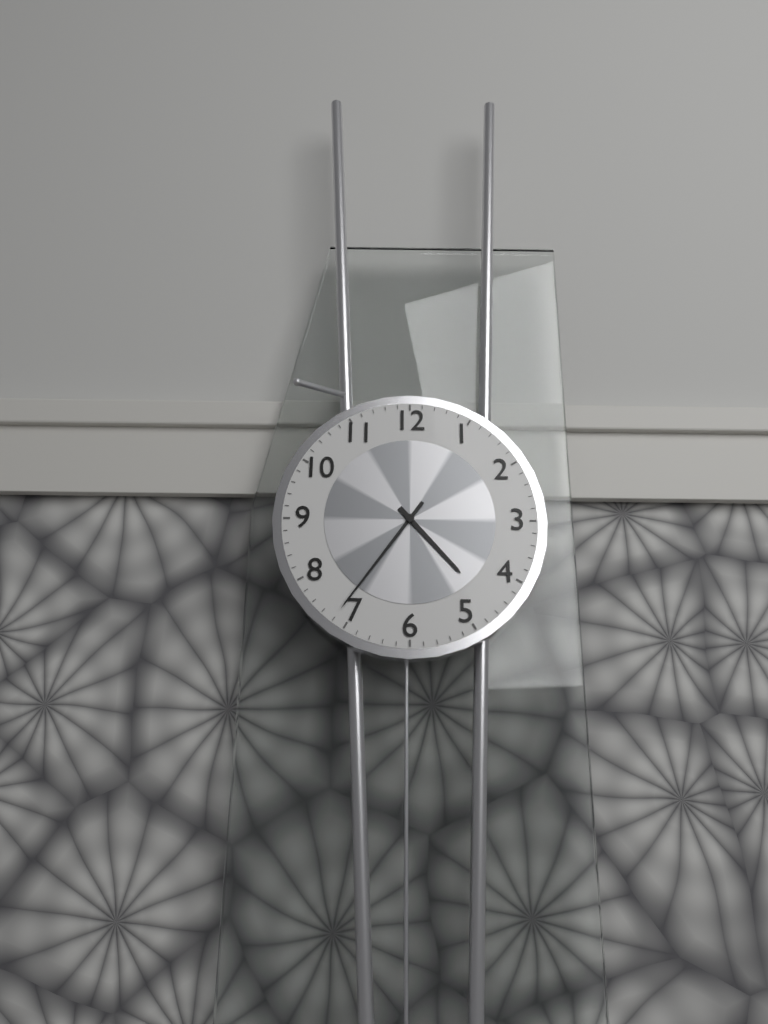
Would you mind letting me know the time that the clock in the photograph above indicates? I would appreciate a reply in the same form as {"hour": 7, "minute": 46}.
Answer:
{"hour": 4, "minute": 36}
